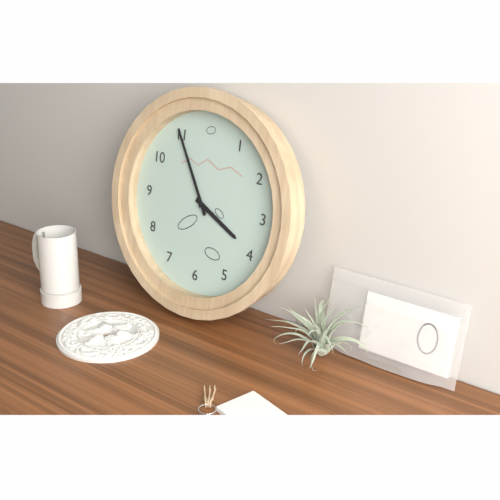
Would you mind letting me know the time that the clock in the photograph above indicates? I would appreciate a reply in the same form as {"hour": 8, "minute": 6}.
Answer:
{"hour": 3, "minute": 55}
